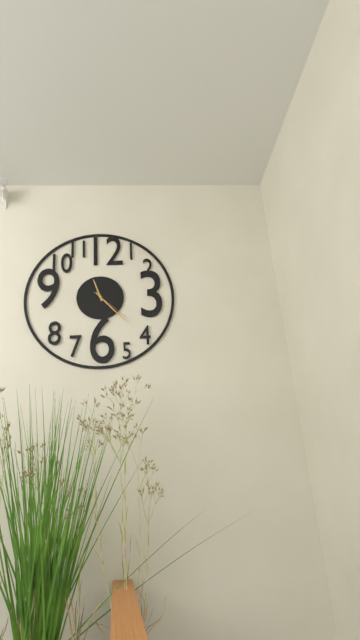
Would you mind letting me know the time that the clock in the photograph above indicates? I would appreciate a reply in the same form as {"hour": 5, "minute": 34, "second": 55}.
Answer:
{"hour": 11, "minute": 23, "second": 22}
